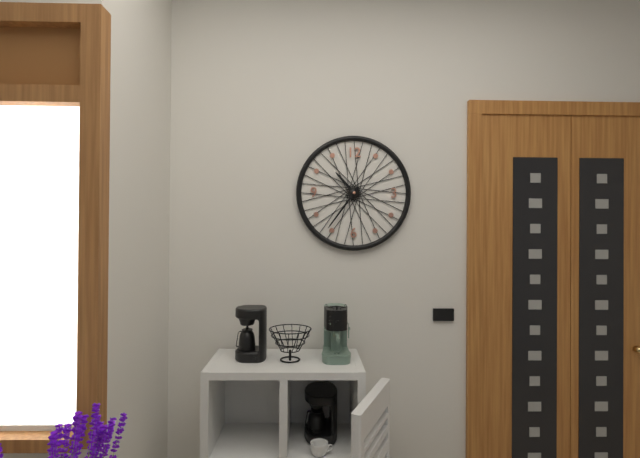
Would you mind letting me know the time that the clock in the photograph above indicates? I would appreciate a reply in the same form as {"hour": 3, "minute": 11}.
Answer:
{"hour": 10, "minute": 36}
